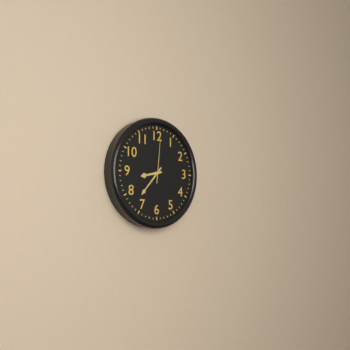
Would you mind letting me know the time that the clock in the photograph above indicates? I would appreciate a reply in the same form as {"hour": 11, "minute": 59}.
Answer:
{"hour": 8, "minute": 37}
